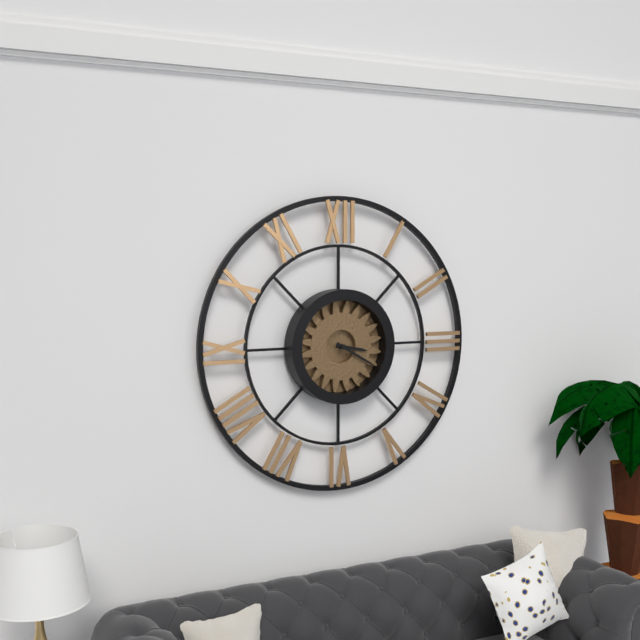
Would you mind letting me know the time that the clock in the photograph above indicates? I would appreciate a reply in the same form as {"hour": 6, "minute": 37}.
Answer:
{"hour": 3, "minute": 20}
